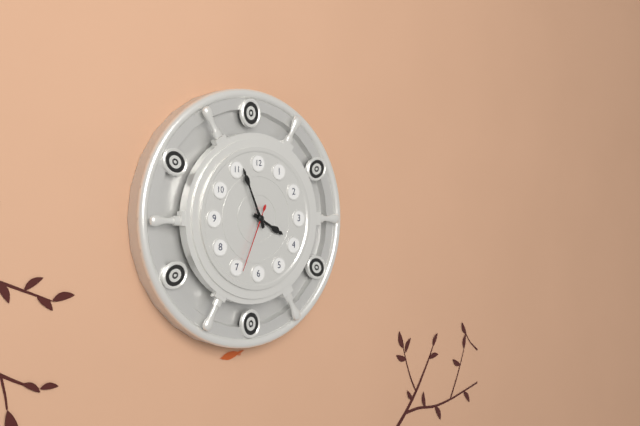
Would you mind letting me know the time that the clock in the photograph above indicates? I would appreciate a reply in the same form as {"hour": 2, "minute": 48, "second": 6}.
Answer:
{"hour": 3, "minute": 56, "second": 34}
